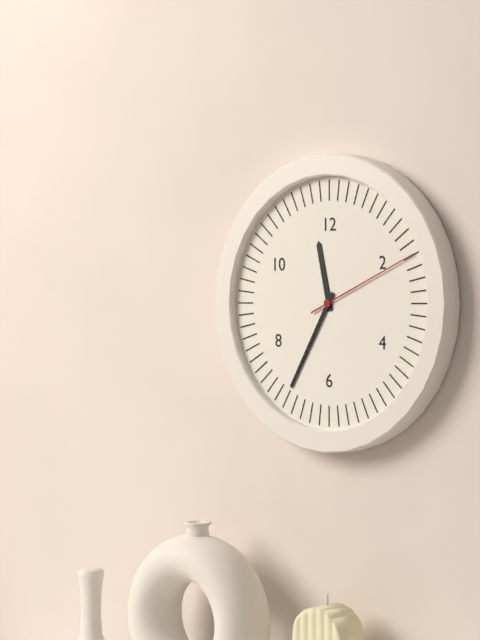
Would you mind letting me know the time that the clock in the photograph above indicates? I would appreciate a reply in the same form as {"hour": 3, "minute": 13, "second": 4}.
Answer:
{"hour": 11, "minute": 35, "second": 11}
